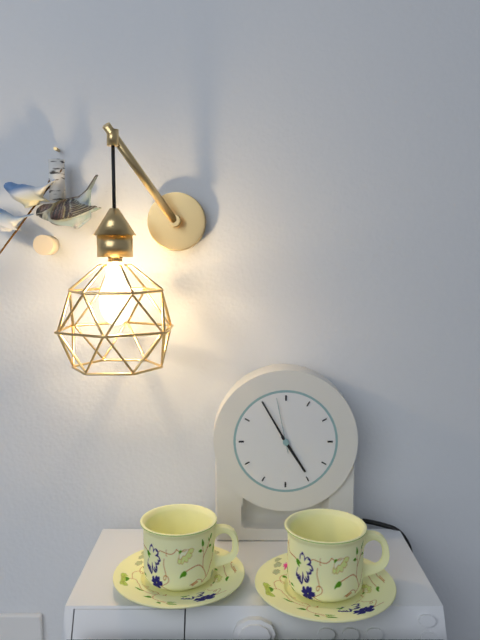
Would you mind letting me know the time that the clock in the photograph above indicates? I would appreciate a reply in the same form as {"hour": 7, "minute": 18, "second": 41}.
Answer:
{"hour": 4, "minute": 55, "second": 58}
